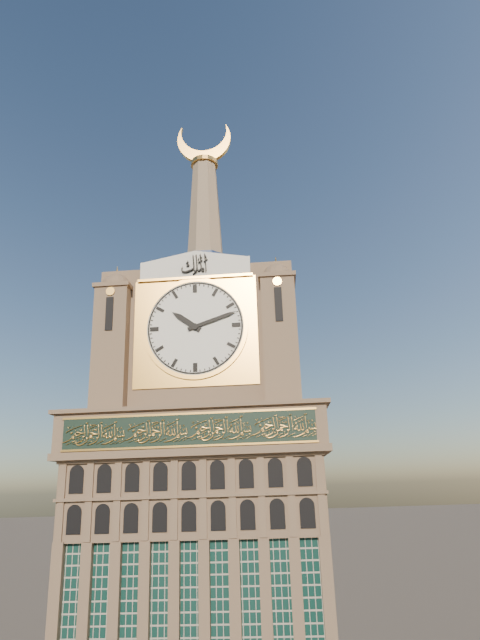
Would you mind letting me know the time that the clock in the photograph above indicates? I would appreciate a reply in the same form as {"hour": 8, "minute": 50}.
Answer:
{"hour": 10, "minute": 12}
